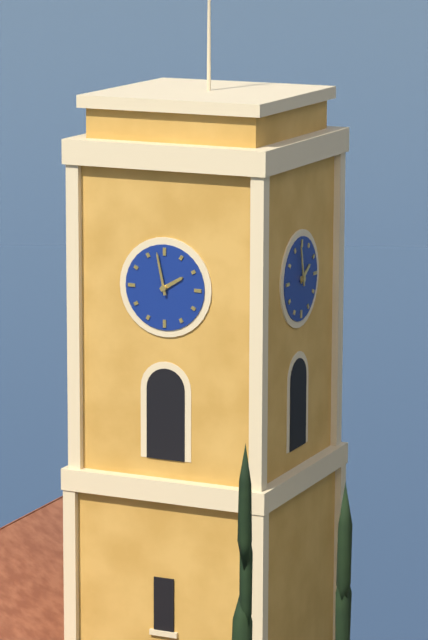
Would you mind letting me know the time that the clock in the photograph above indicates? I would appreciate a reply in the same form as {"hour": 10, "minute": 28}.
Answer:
{"hour": 1, "minute": 58}
